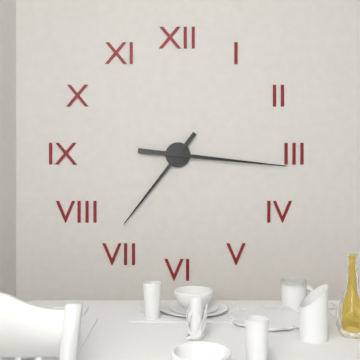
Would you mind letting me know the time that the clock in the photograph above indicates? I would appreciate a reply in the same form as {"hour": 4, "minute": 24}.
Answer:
{"hour": 7, "minute": 16}
